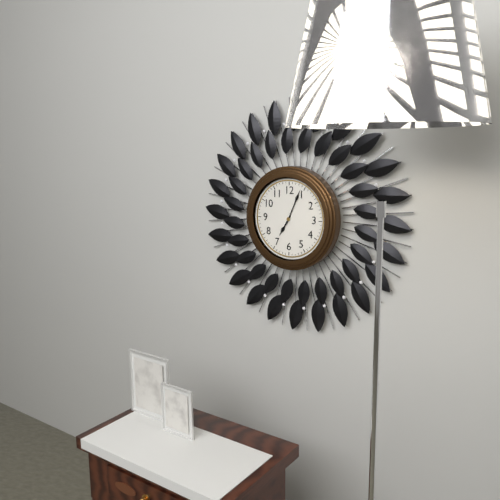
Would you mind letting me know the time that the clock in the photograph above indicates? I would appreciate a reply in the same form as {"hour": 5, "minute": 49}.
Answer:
{"hour": 7, "minute": 4}
